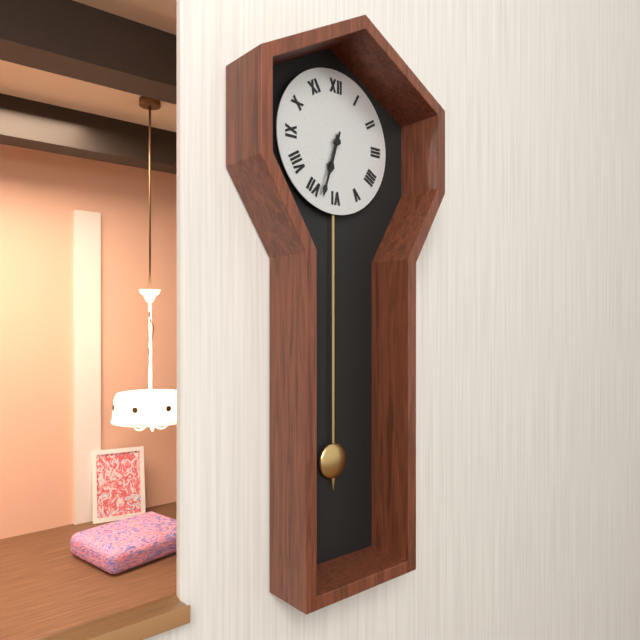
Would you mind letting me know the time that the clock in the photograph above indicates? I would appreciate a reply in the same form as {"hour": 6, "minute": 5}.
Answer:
{"hour": 6, "minute": 33}
